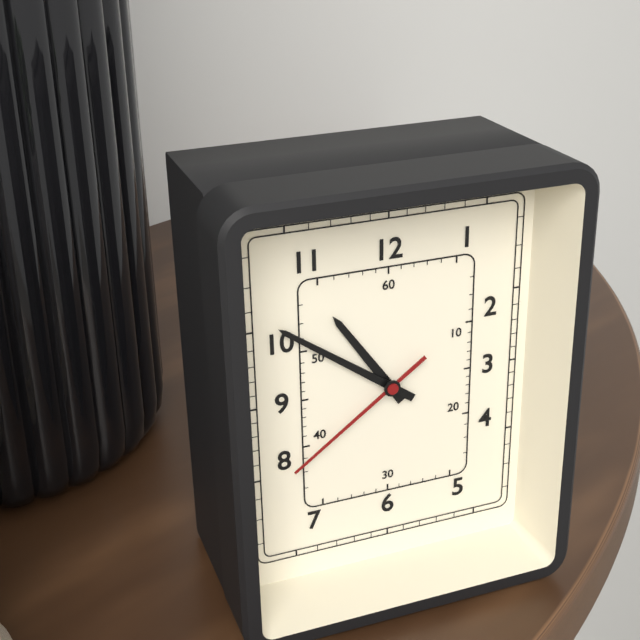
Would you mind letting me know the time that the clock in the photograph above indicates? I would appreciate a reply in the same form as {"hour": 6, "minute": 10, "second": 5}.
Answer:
{"hour": 10, "minute": 51, "second": 39}
